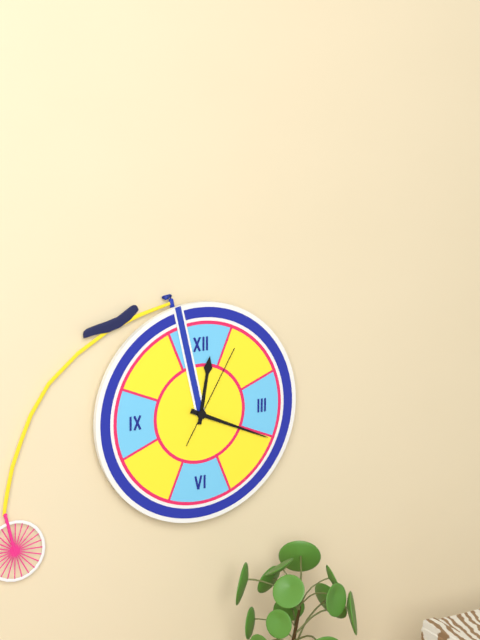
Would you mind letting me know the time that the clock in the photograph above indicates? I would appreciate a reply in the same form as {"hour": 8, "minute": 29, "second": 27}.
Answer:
{"hour": 12, "minute": 19, "second": 5}
